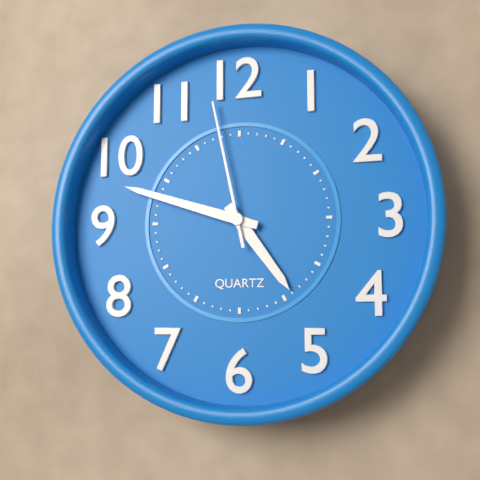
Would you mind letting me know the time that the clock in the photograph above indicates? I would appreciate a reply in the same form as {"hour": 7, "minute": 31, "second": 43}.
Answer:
{"hour": 4, "minute": 48, "second": 58}
